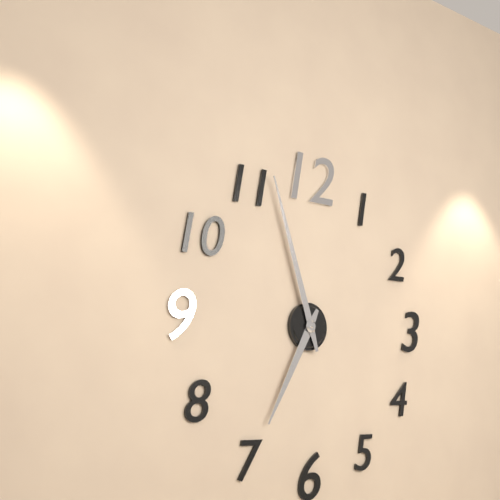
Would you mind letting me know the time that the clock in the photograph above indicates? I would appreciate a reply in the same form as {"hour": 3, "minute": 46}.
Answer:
{"hour": 6, "minute": 57}
